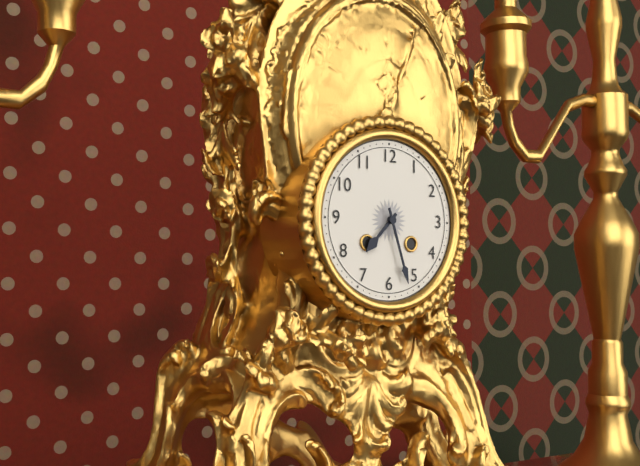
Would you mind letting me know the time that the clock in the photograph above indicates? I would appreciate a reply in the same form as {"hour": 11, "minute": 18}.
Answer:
{"hour": 7, "minute": 27}
